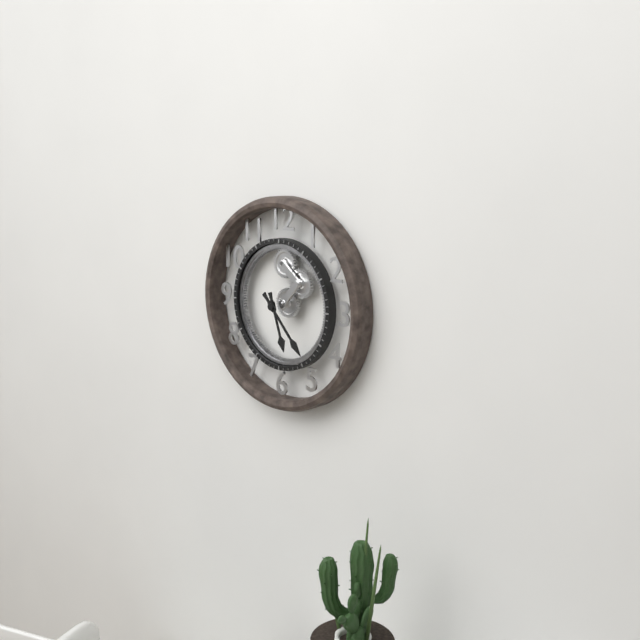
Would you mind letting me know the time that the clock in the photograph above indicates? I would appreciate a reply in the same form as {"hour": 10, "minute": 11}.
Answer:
{"hour": 5, "minute": 23}
